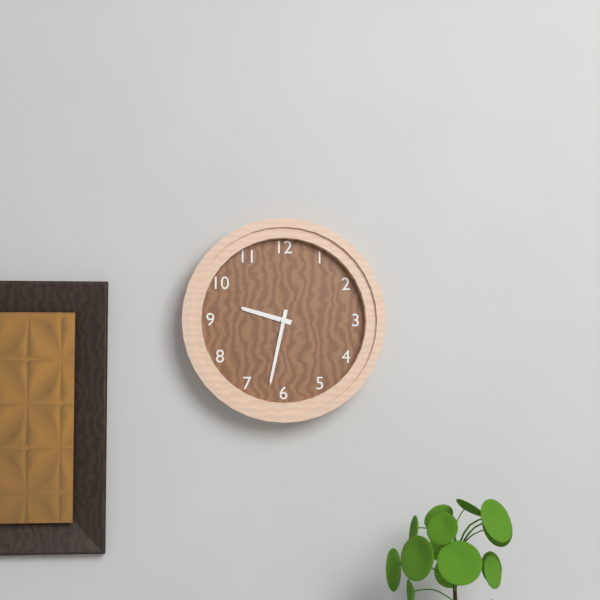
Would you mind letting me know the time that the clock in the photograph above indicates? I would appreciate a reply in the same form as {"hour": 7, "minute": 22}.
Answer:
{"hour": 9, "minute": 32}
